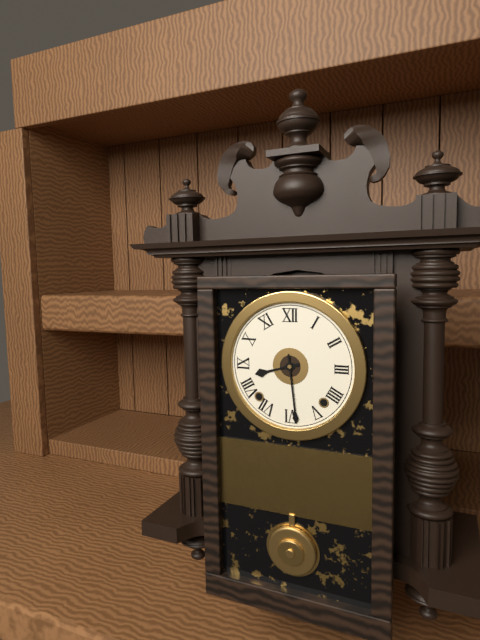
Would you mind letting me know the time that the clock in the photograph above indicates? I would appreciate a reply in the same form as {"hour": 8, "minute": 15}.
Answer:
{"hour": 8, "minute": 29}
